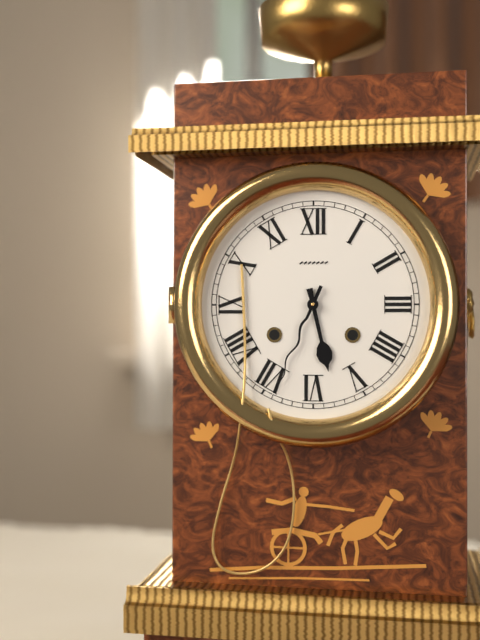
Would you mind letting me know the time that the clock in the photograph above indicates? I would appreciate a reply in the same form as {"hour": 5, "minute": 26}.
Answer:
{"hour": 5, "minute": 34}
